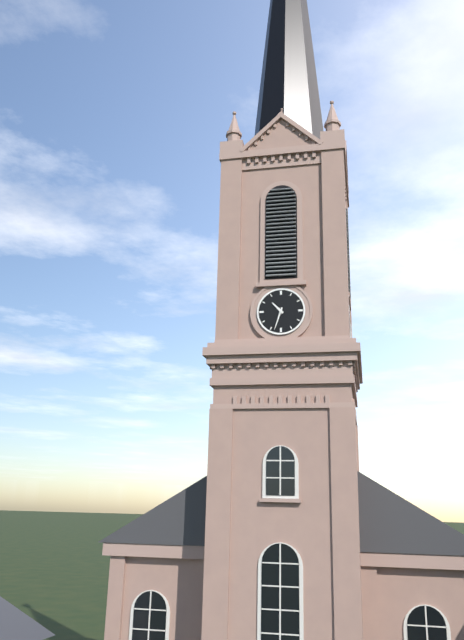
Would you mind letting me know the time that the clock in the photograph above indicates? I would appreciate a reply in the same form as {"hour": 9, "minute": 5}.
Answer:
{"hour": 10, "minute": 33}
